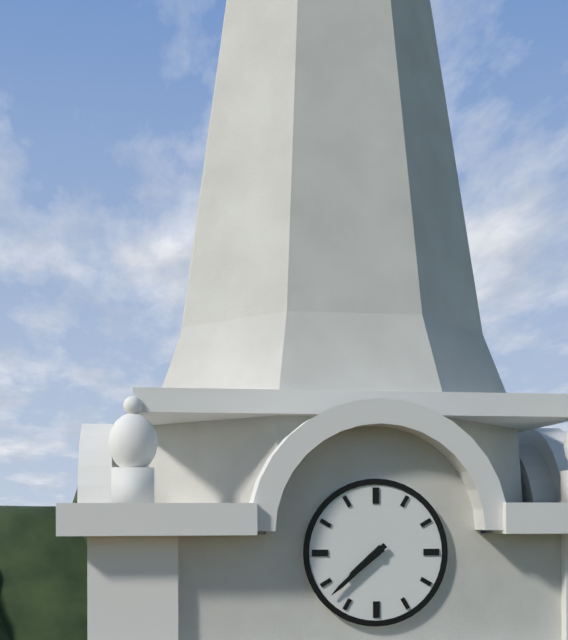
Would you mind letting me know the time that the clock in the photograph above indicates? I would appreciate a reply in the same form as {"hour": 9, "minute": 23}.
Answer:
{"hour": 7, "minute": 38}
